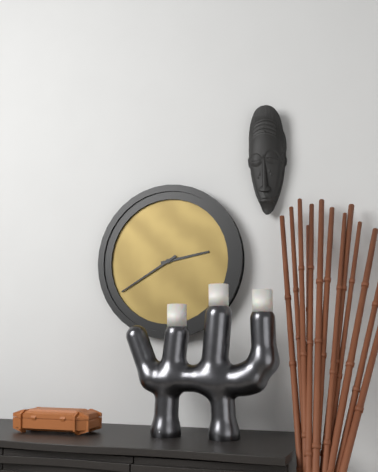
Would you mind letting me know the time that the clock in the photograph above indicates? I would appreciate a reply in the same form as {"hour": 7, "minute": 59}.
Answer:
{"hour": 2, "minute": 40}
